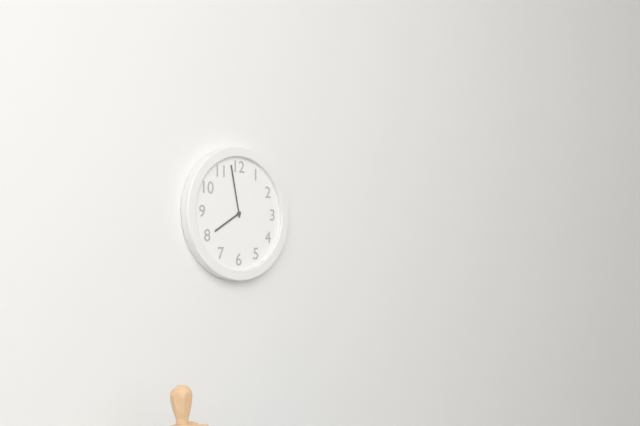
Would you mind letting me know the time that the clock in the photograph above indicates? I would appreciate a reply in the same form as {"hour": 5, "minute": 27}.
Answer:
{"hour": 7, "minute": 58}
